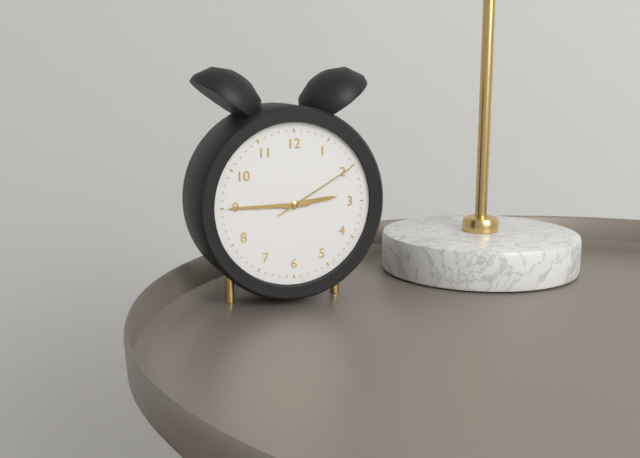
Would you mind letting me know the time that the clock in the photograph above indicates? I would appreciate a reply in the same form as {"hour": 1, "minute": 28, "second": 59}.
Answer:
{"hour": 2, "minute": 45, "second": 10}
